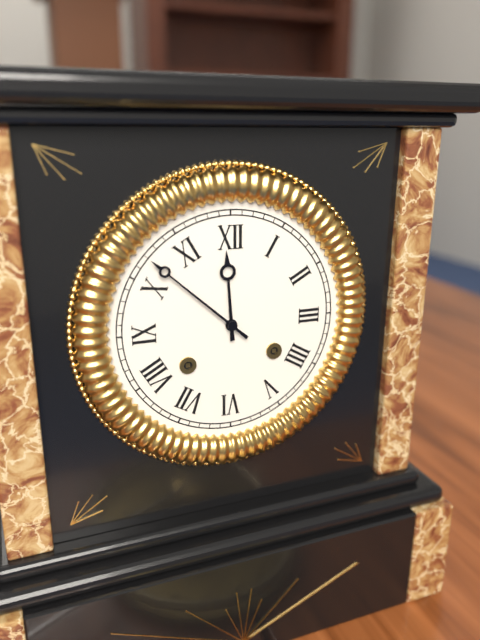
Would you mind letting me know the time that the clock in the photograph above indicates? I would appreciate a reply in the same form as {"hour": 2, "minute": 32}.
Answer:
{"hour": 11, "minute": 52}
